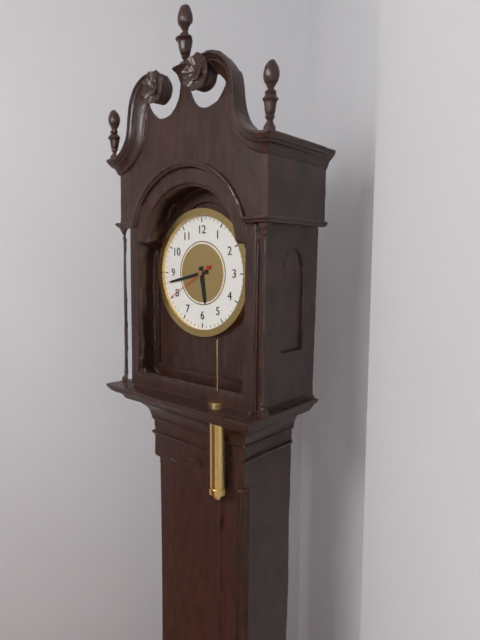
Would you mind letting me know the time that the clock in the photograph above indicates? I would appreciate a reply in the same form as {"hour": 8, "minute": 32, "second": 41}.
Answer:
{"hour": 5, "minute": 43, "second": 40}
